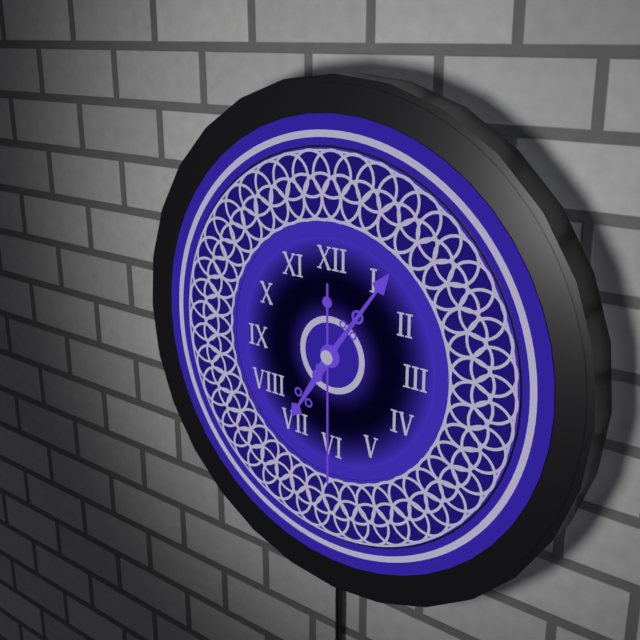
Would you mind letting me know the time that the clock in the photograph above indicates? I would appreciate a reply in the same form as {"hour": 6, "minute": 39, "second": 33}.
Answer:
{"hour": 7, "minute": 6, "second": 30}
